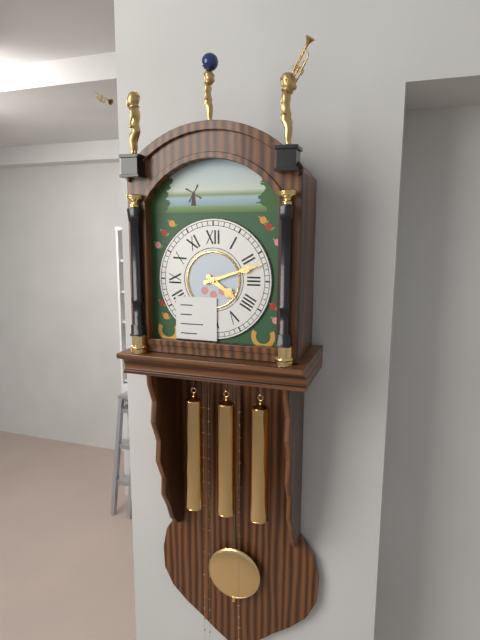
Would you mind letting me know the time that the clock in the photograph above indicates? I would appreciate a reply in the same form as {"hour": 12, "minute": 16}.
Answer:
{"hour": 4, "minute": 12}
